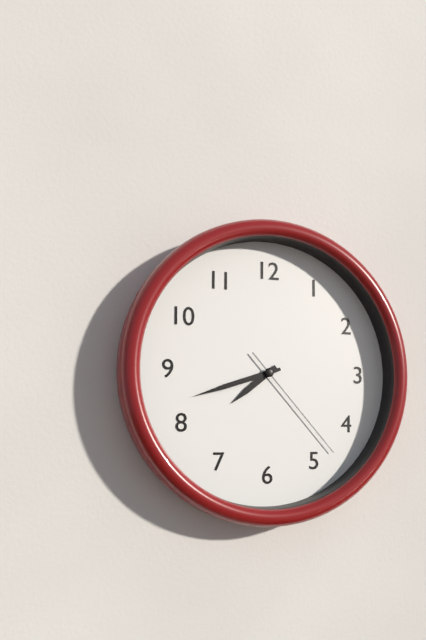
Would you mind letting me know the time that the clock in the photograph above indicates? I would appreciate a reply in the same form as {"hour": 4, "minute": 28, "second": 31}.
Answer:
{"hour": 7, "minute": 42, "second": 23}
